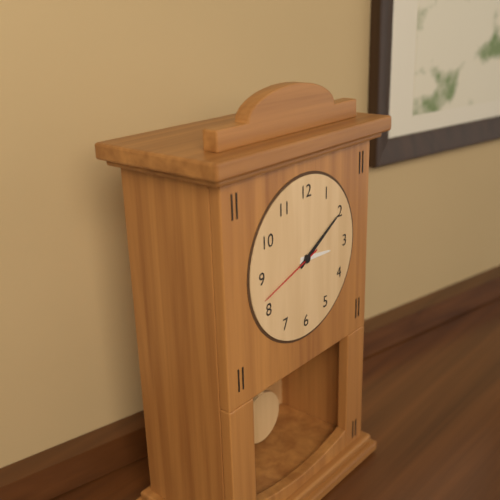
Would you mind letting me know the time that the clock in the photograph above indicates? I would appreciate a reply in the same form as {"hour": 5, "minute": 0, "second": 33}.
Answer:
{"hour": 3, "minute": 10, "second": 42}
